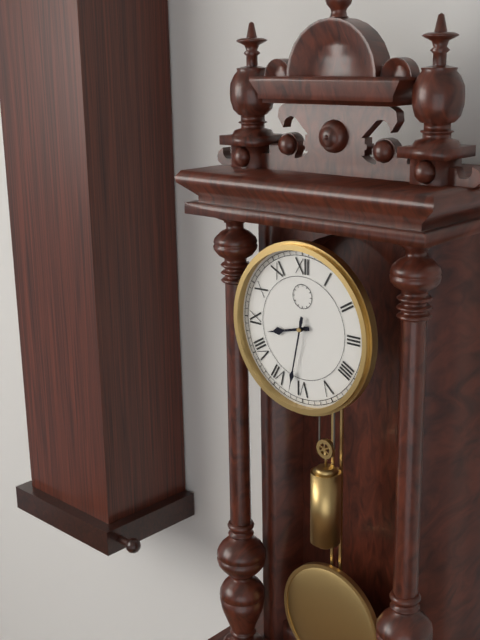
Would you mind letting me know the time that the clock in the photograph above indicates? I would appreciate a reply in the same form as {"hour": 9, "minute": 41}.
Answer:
{"hour": 8, "minute": 32}
